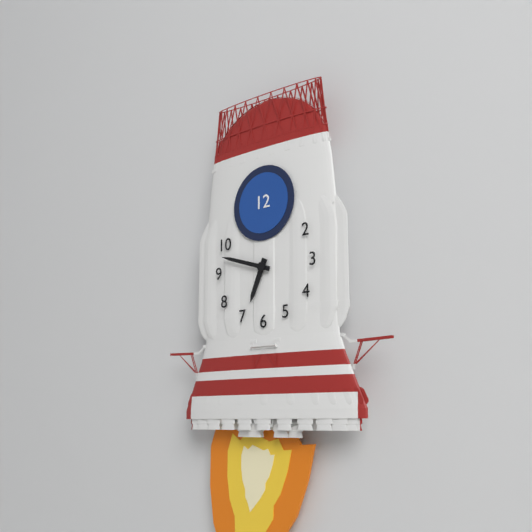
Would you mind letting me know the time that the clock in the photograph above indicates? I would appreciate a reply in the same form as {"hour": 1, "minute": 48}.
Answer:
{"hour": 6, "minute": 48}
